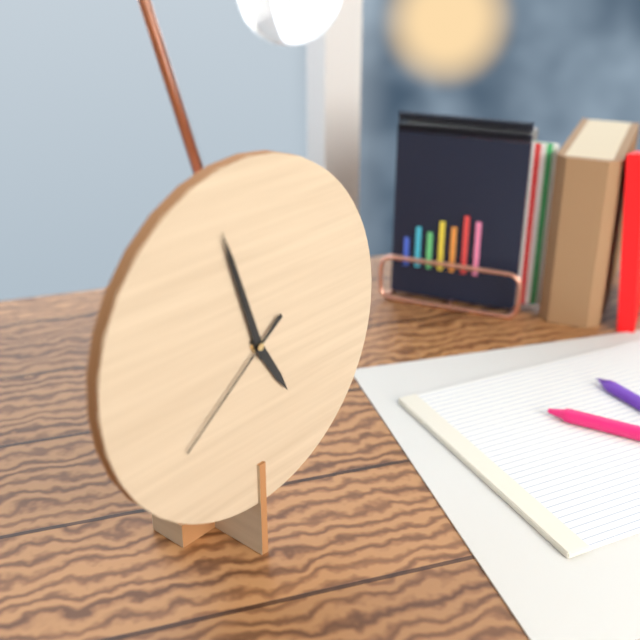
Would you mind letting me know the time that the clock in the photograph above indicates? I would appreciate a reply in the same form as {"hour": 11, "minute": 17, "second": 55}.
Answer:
{"hour": 4, "minute": 57, "second": 39}
